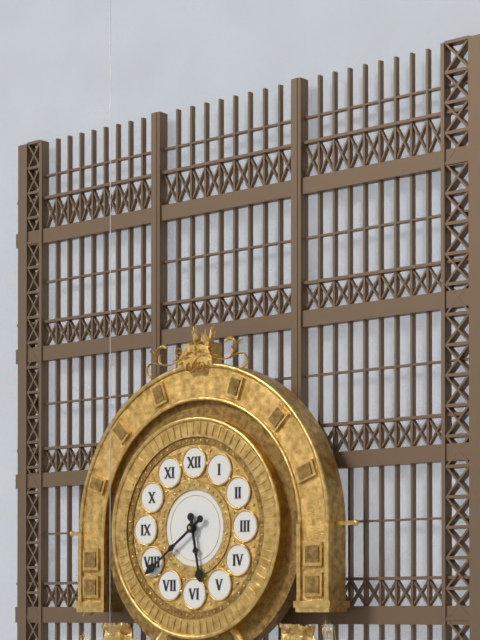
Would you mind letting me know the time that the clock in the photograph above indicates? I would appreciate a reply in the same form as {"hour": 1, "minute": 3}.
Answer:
{"hour": 5, "minute": 39}
